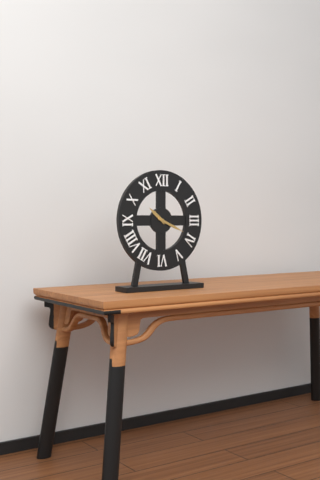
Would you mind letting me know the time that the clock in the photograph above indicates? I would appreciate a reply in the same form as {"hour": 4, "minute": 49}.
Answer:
{"hour": 10, "minute": 19}
